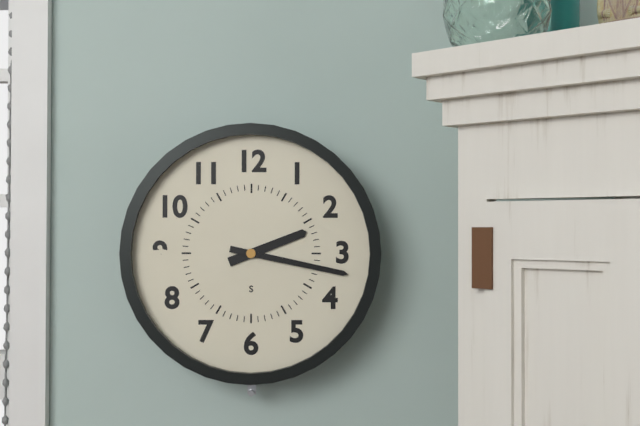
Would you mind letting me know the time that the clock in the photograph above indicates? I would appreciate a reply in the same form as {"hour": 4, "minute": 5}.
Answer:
{"hour": 2, "minute": 17}
